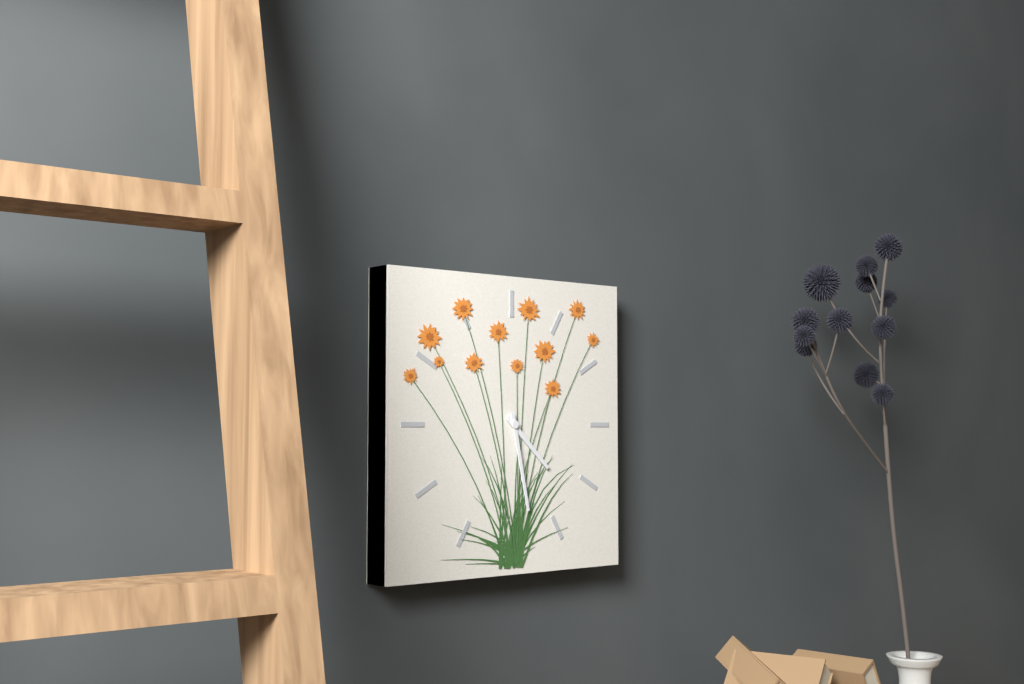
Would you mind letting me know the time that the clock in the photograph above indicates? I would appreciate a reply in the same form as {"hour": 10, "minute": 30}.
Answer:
{"hour": 4, "minute": 28}
